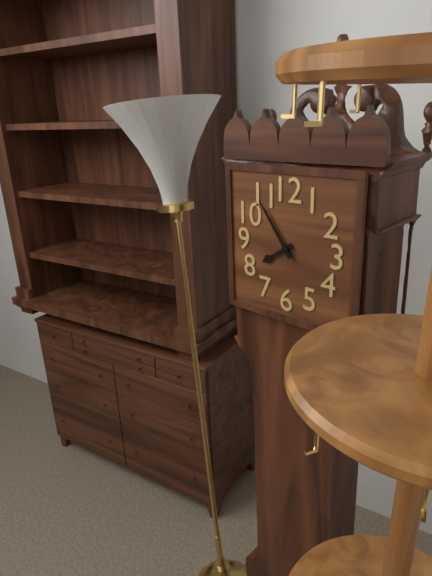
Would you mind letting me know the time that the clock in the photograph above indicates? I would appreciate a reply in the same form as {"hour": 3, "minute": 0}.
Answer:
{"hour": 7, "minute": 54}
